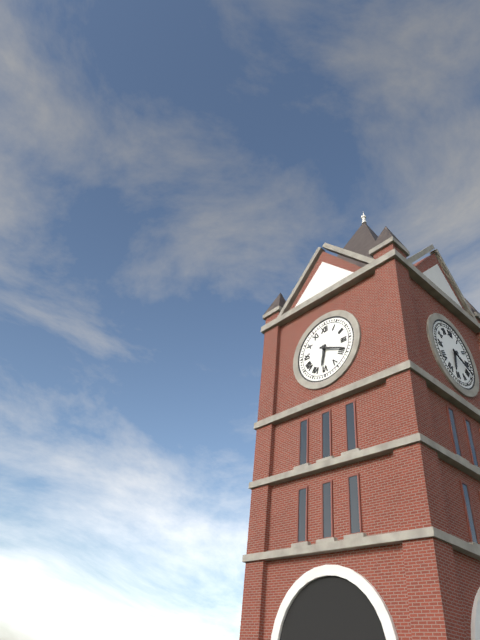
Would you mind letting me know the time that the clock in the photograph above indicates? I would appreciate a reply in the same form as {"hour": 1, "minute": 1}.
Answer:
{"hour": 6, "minute": 19}
